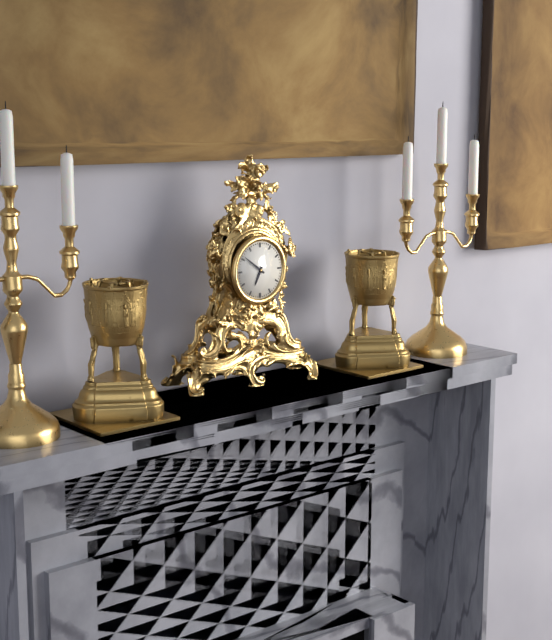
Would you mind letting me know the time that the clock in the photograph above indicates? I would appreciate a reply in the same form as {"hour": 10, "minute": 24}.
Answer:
{"hour": 6, "minute": 51}
